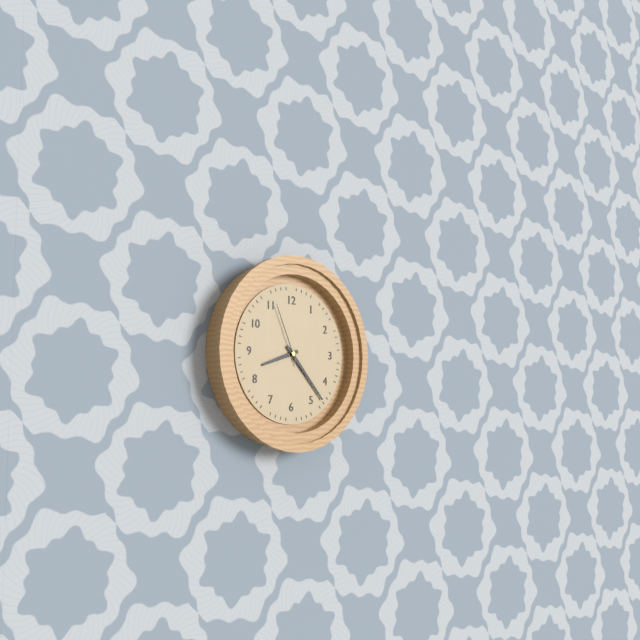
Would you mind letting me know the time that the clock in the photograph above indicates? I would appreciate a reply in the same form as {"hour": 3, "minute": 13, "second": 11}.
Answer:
{"hour": 8, "minute": 23, "second": 56}
